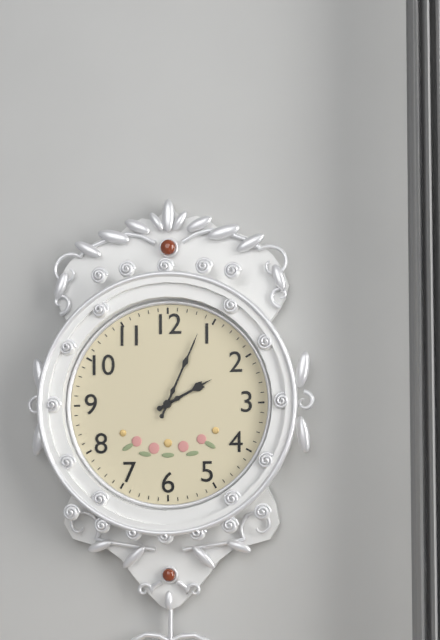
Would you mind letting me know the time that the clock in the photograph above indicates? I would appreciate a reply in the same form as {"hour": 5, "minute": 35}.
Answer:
{"hour": 2, "minute": 4}
